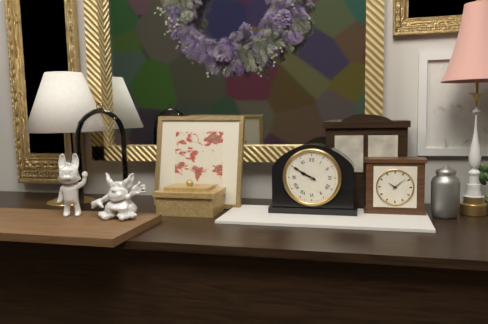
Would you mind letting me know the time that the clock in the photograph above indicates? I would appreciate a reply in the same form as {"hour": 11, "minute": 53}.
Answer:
{"hour": 9, "minute": 50}
